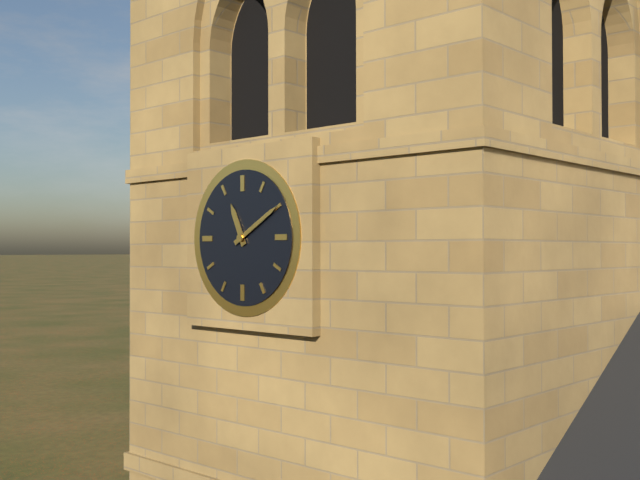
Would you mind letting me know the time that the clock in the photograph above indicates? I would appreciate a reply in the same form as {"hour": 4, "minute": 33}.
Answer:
{"hour": 11, "minute": 10}
